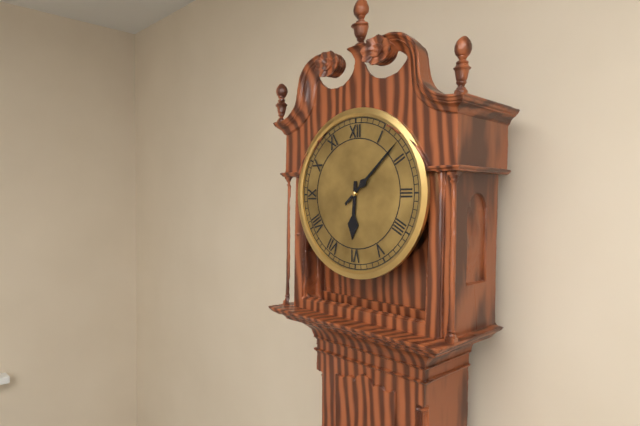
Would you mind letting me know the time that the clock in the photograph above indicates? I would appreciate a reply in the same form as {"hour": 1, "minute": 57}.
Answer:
{"hour": 6, "minute": 8}
